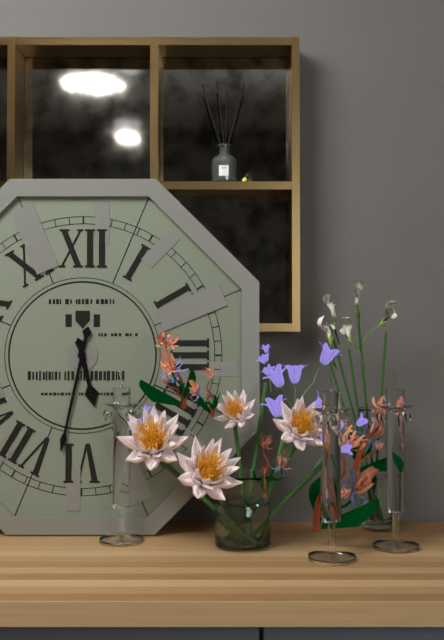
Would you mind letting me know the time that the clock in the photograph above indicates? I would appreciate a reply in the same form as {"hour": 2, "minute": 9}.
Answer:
{"hour": 5, "minute": 32}
